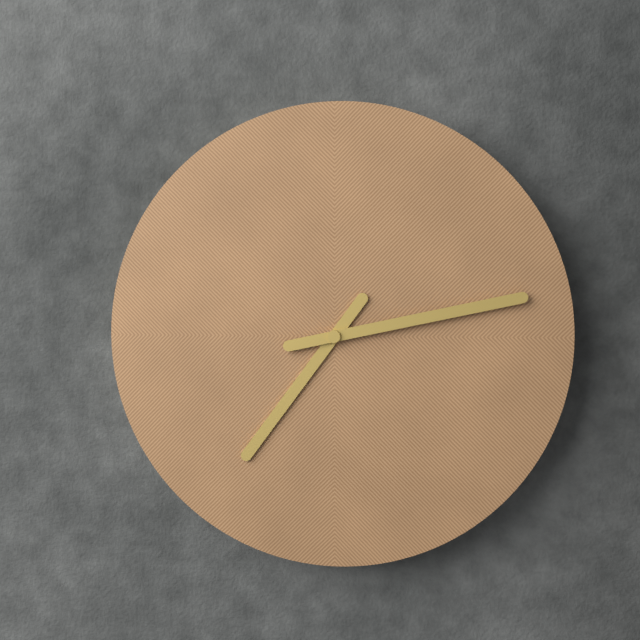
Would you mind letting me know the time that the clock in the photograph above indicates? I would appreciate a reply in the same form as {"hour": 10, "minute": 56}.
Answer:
{"hour": 7, "minute": 13}
